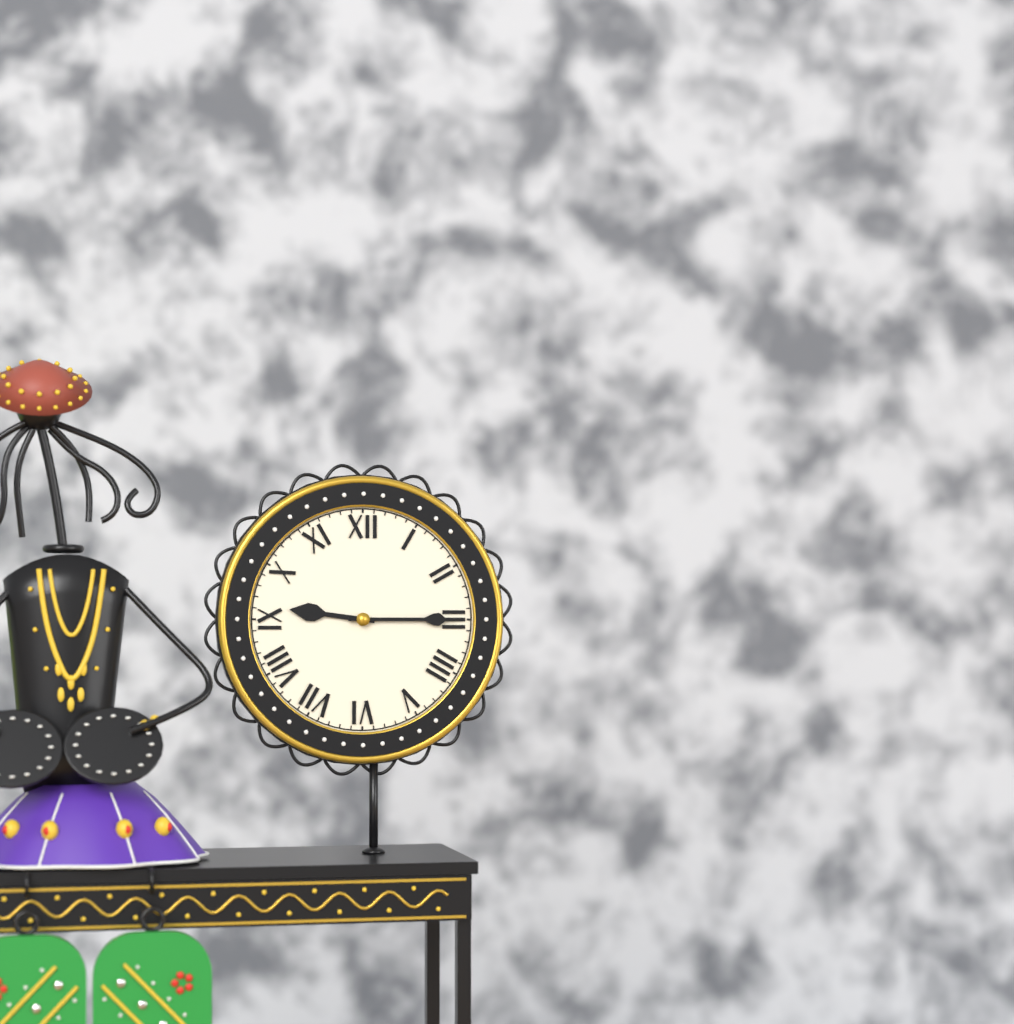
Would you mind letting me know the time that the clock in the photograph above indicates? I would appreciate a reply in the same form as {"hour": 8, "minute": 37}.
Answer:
{"hour": 9, "minute": 15}
